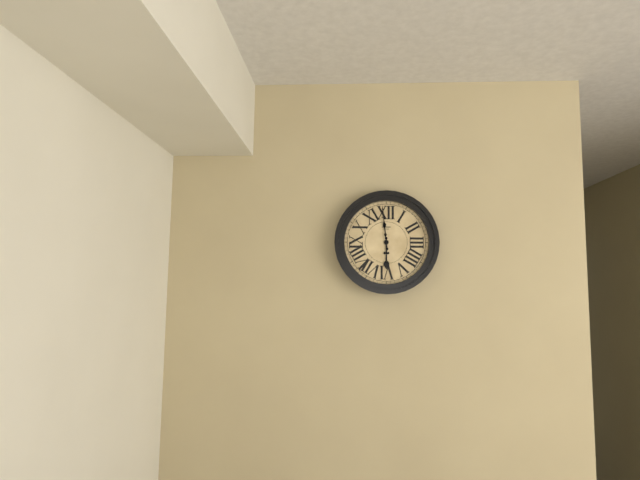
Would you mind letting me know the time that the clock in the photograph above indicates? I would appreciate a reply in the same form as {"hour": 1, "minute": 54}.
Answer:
{"hour": 5, "minute": 59}
